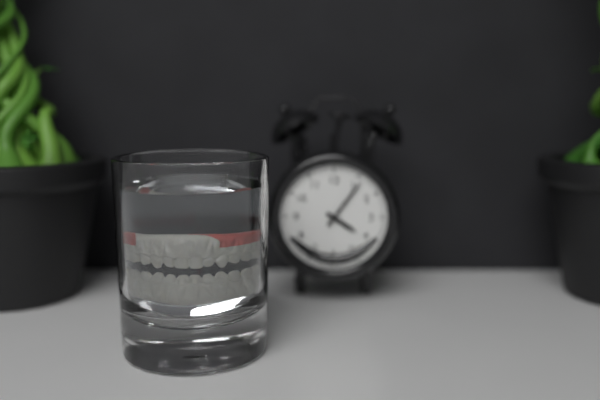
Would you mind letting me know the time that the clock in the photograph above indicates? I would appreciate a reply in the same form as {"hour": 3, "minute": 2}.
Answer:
{"hour": 4, "minute": 6}
